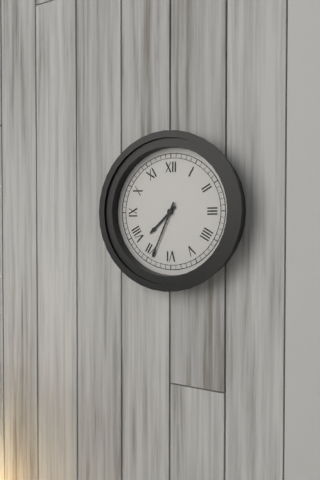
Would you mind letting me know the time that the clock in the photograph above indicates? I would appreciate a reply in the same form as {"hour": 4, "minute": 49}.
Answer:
{"hour": 7, "minute": 34}
